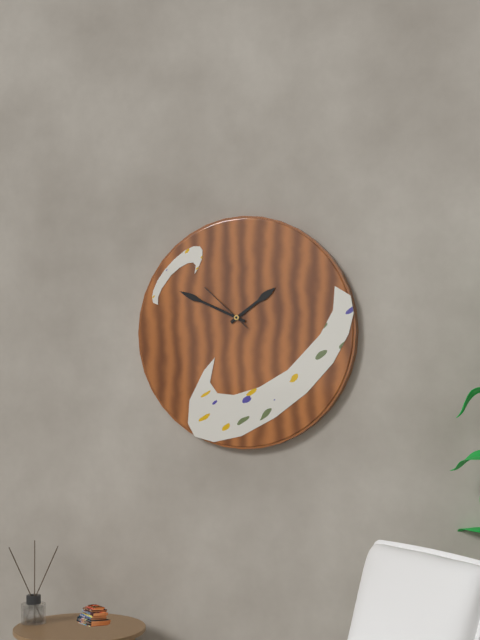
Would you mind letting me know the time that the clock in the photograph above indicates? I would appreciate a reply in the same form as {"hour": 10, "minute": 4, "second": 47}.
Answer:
{"hour": 1, "minute": 49, "second": 52}
